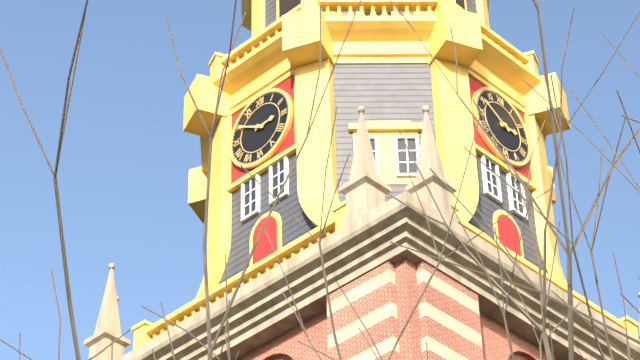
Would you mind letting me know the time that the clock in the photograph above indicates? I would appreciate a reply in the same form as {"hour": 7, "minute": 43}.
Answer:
{"hour": 2, "minute": 50}
